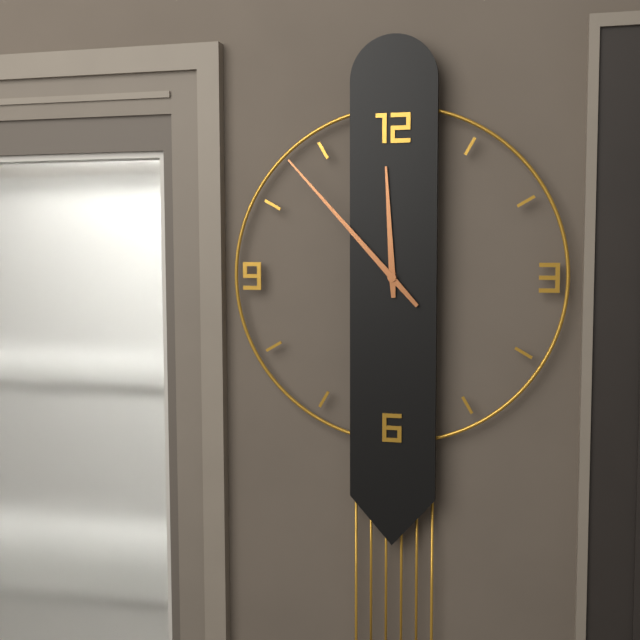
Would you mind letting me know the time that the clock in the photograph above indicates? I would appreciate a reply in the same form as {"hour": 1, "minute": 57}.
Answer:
{"hour": 11, "minute": 53}
